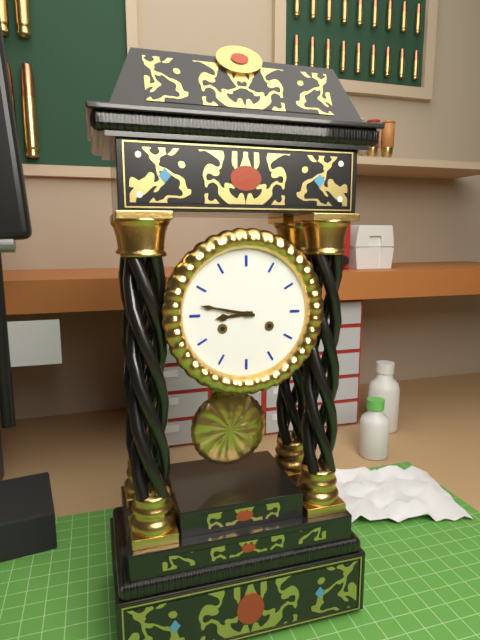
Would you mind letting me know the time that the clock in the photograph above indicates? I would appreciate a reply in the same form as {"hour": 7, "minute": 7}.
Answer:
{"hour": 8, "minute": 47}
